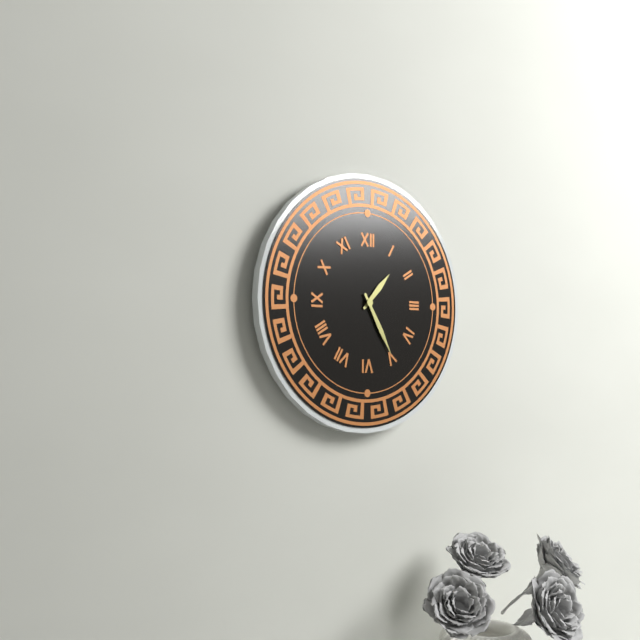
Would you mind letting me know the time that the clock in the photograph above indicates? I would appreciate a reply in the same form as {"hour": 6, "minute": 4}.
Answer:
{"hour": 1, "minute": 25}
